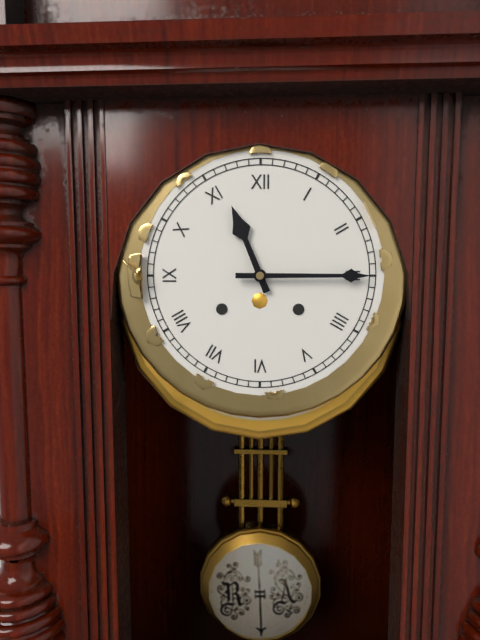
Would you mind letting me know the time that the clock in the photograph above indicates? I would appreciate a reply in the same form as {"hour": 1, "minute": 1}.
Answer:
{"hour": 11, "minute": 15}
